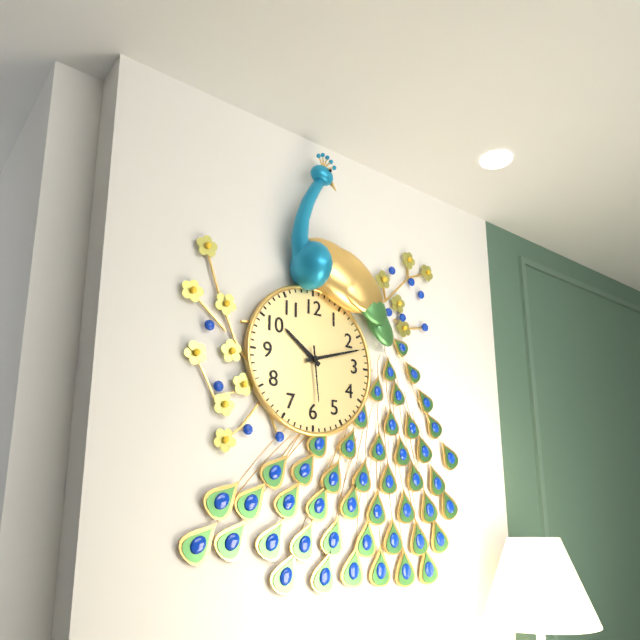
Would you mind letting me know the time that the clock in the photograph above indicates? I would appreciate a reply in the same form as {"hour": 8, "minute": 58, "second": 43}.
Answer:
{"hour": 10, "minute": 12, "second": 29}
